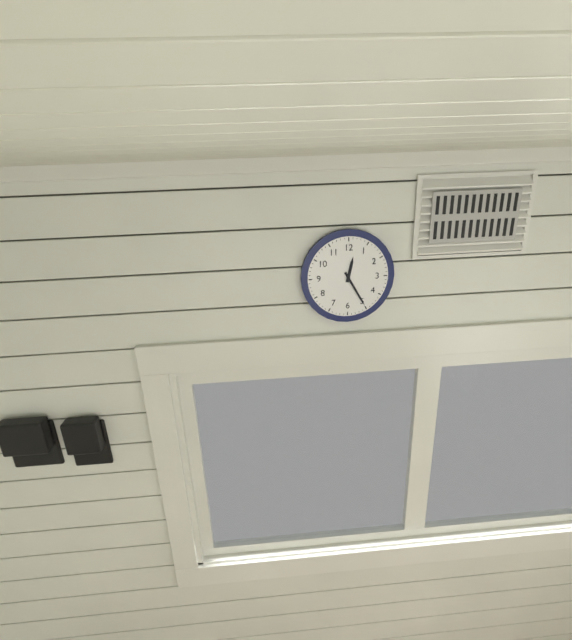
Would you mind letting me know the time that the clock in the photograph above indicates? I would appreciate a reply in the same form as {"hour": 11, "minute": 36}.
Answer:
{"hour": 12, "minute": 25}
